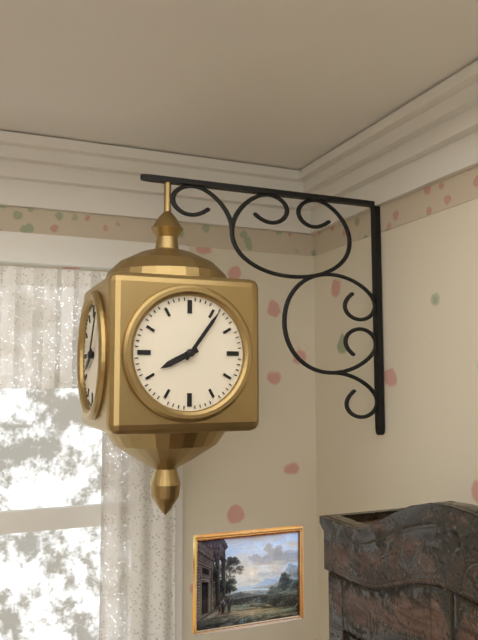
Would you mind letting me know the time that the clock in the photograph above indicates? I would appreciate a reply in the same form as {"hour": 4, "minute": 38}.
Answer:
{"hour": 8, "minute": 6}
